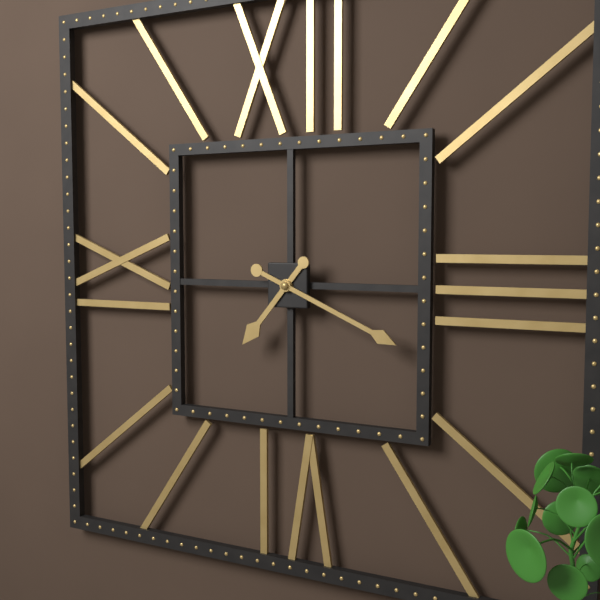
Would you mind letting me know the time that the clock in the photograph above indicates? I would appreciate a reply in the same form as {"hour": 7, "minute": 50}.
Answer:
{"hour": 7, "minute": 19}
